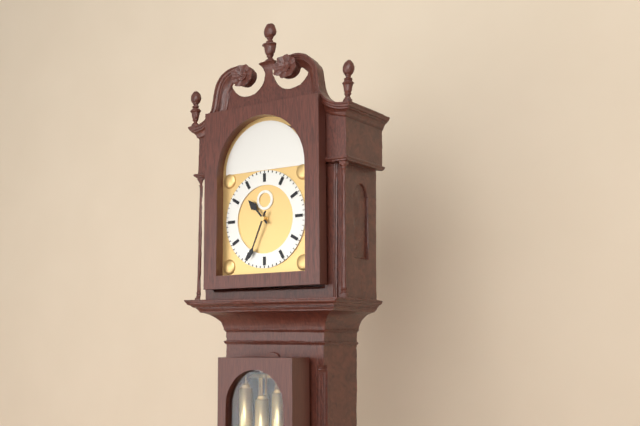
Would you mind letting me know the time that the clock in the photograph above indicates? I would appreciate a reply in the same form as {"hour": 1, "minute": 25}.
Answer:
{"hour": 10, "minute": 34}
